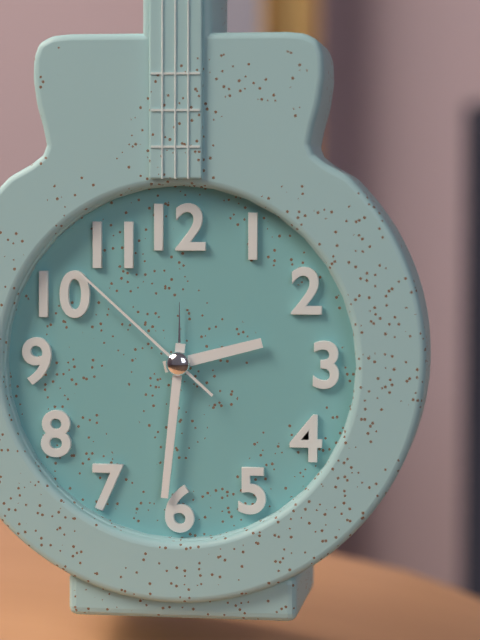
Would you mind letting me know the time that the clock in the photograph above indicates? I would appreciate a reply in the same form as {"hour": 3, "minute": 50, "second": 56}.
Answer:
{"hour": 2, "minute": 31, "second": 52}
